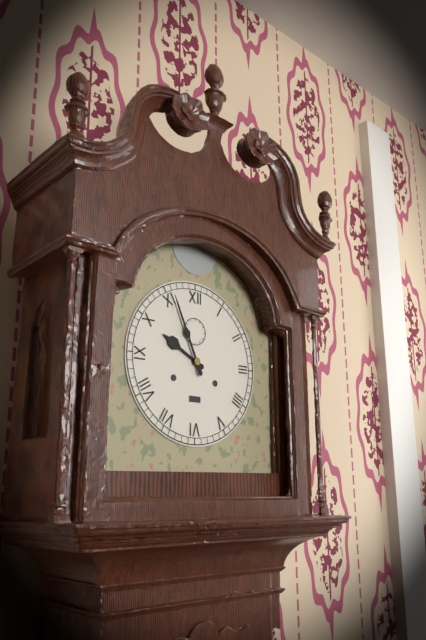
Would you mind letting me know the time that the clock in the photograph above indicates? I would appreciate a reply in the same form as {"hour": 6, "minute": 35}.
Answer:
{"hour": 9, "minute": 56}
